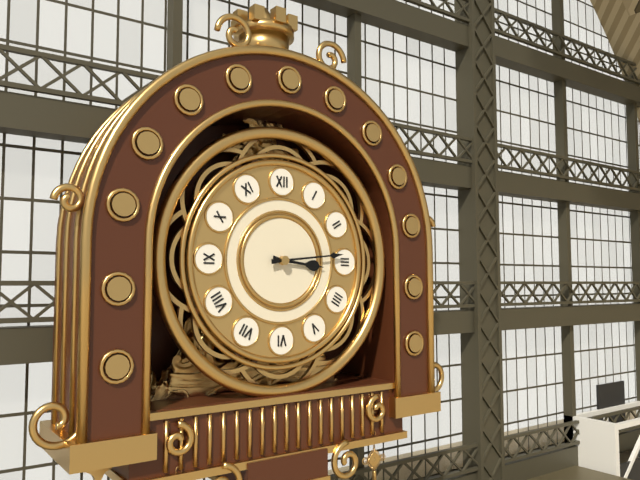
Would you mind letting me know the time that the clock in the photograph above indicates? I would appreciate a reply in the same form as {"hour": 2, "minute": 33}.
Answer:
{"hour": 3, "minute": 14}
